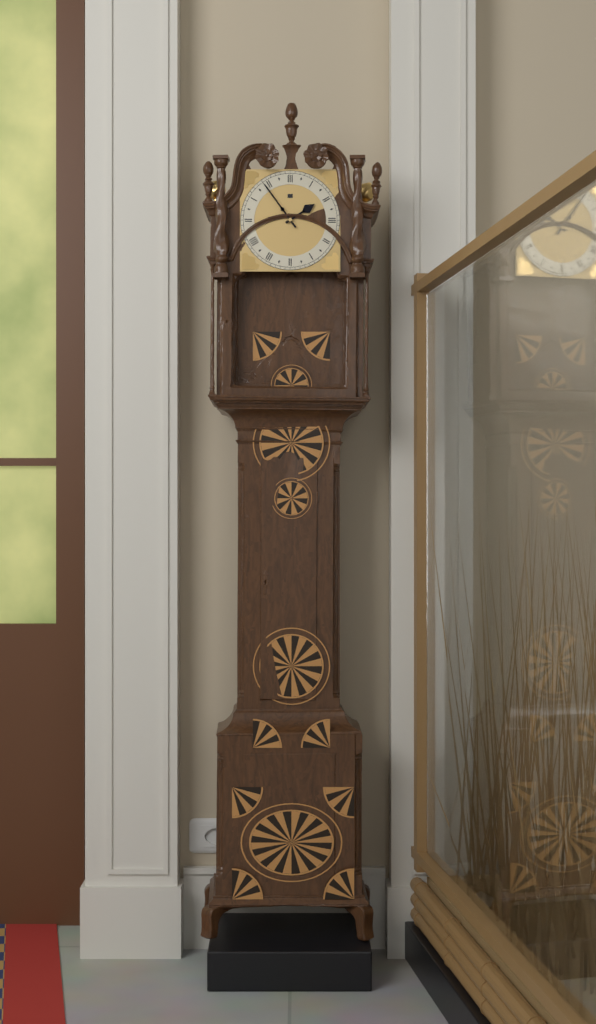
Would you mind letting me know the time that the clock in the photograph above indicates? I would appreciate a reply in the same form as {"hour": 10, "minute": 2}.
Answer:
{"hour": 1, "minute": 54}
